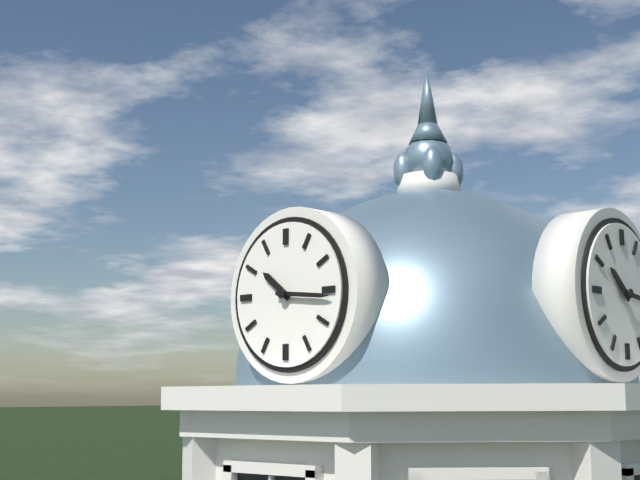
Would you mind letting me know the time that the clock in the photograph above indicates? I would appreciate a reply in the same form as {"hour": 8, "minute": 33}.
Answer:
{"hour": 10, "minute": 16}
